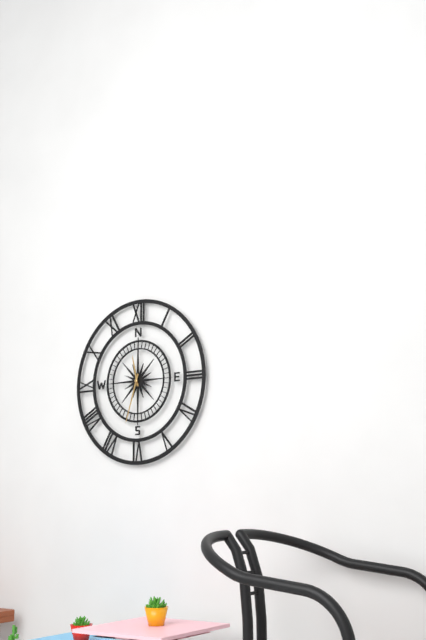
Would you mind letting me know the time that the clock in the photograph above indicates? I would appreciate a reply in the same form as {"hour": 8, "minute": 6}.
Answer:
{"hour": 11, "minute": 33}
